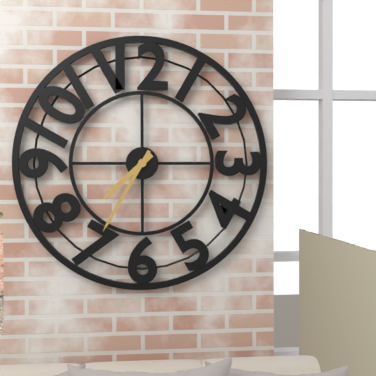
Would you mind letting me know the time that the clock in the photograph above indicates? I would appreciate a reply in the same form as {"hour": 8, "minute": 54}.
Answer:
{"hour": 7, "minute": 35}
